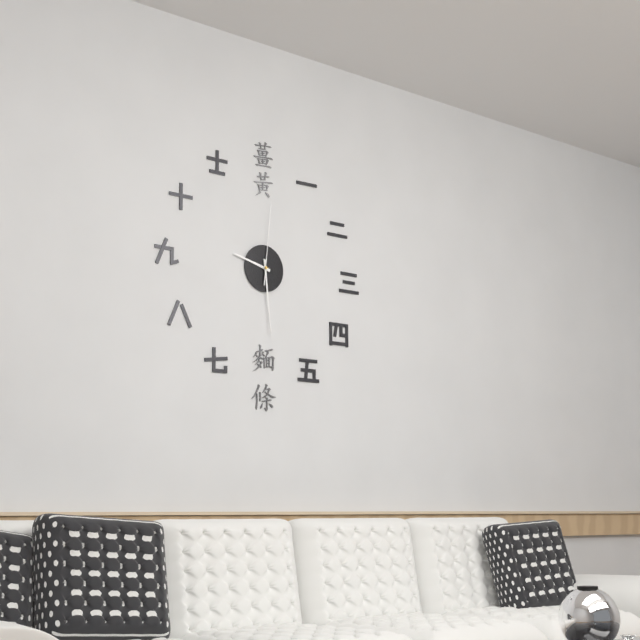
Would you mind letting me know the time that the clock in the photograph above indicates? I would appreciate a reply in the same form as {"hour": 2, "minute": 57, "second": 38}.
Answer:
{"hour": 9, "minute": 29, "second": 1}
